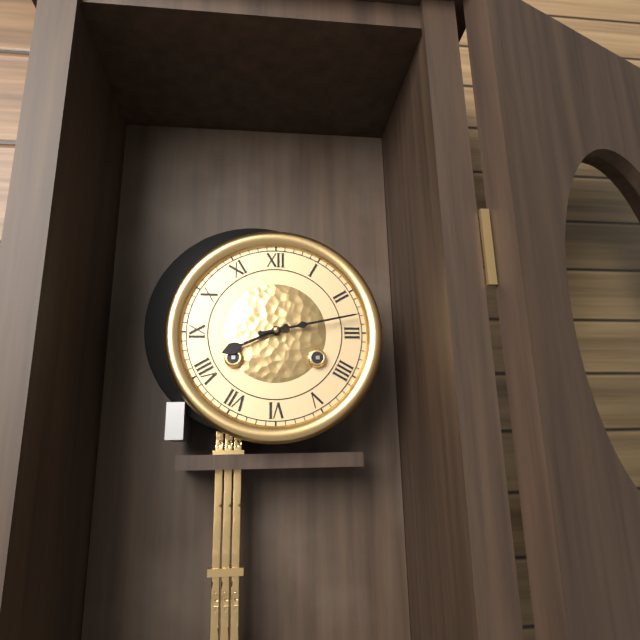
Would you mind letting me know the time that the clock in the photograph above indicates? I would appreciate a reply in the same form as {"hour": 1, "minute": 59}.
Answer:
{"hour": 8, "minute": 13}
